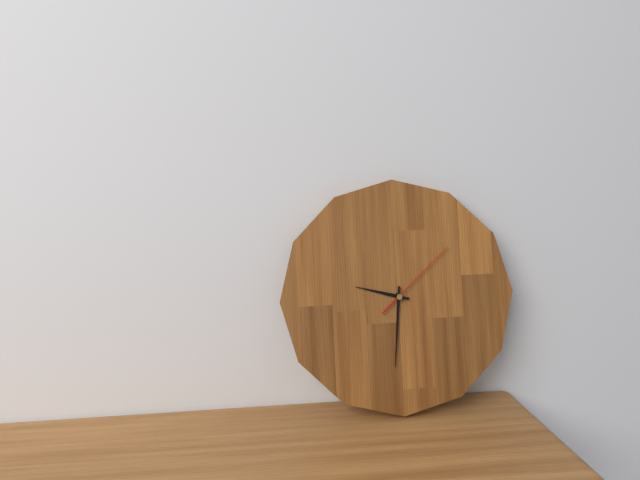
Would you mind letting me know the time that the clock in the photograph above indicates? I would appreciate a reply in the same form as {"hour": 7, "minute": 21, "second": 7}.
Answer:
{"hour": 9, "minute": 31, "second": 8}
